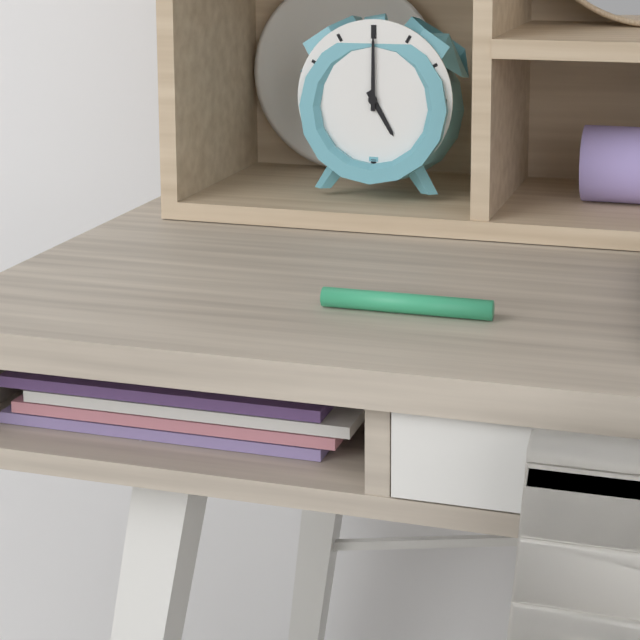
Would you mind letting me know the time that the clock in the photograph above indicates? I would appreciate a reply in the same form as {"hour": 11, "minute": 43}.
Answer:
{"hour": 5, "minute": 0}
